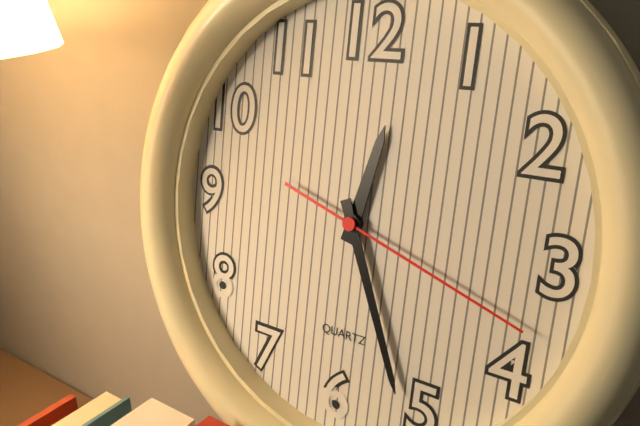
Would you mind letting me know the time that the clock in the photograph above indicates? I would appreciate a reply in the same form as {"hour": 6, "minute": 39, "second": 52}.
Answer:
{"hour": 12, "minute": 26, "second": 18}
